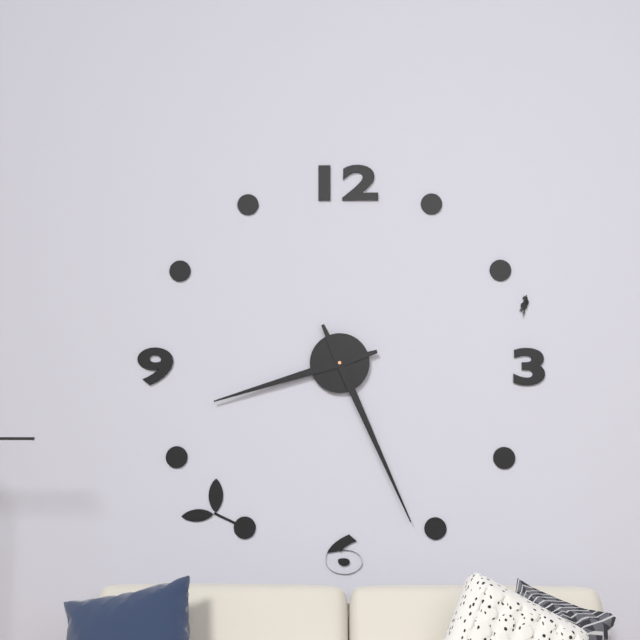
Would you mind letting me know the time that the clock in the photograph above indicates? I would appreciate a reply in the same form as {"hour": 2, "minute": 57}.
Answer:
{"hour": 8, "minute": 26}
